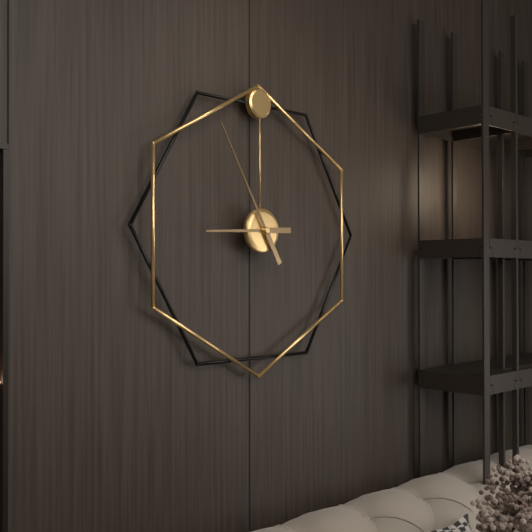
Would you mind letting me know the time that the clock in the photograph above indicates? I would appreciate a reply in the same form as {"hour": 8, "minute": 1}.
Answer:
{"hour": 8, "minute": 55}
